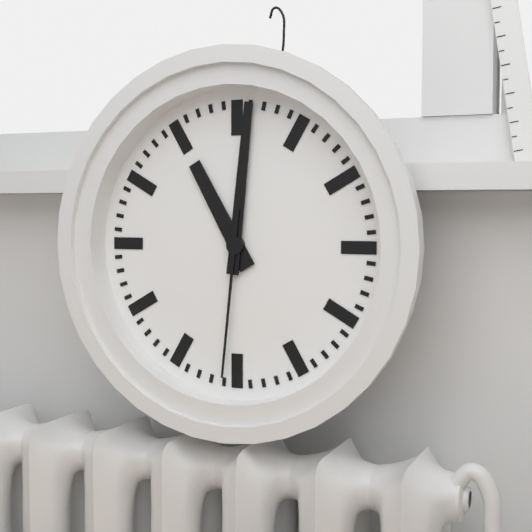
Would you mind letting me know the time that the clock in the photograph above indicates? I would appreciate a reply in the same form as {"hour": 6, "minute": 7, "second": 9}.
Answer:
{"hour": 11, "minute": 1, "second": 31}
